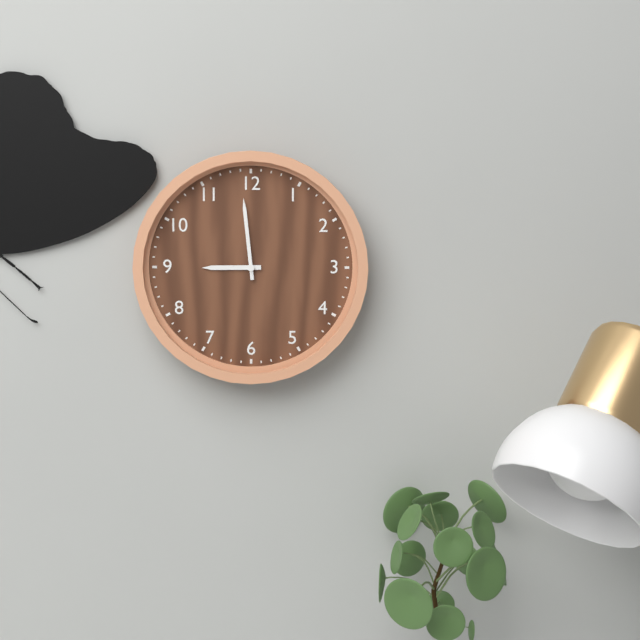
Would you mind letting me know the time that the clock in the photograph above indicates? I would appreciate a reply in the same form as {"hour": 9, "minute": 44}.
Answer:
{"hour": 8, "minute": 59}
